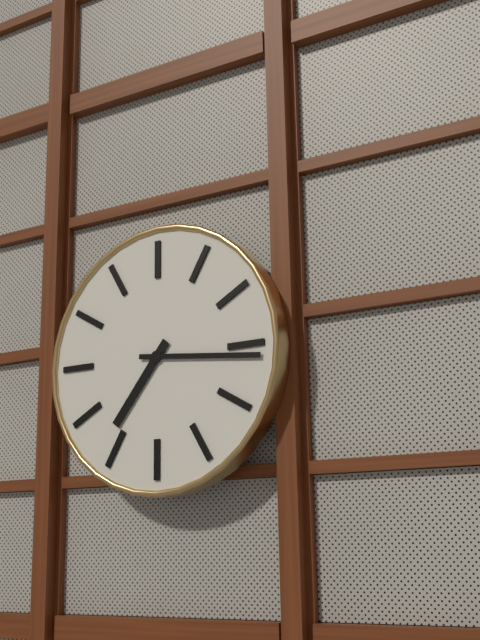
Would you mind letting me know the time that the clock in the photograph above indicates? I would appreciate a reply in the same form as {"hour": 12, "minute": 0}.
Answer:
{"hour": 7, "minute": 16}
